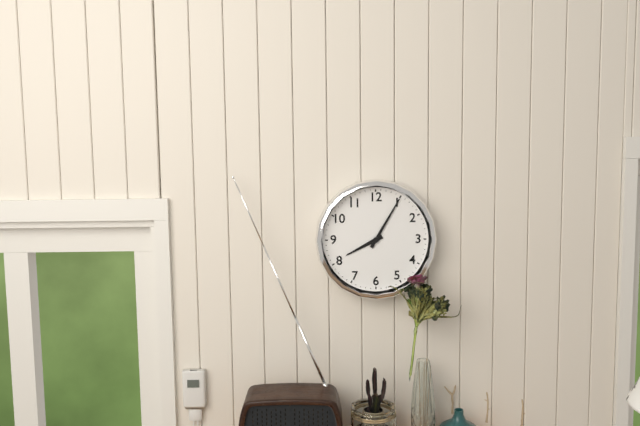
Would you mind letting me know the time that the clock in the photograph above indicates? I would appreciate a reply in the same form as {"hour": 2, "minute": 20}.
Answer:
{"hour": 8, "minute": 5}
